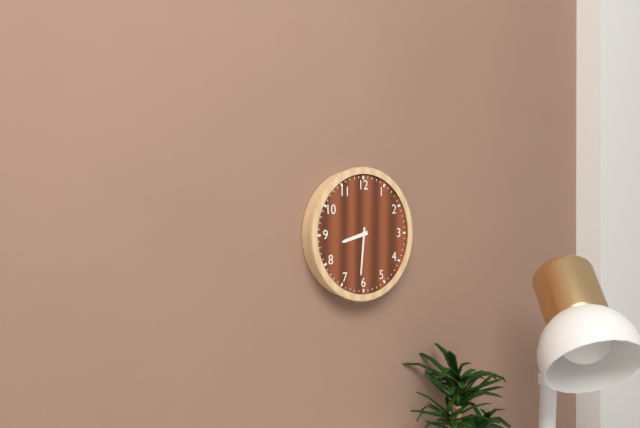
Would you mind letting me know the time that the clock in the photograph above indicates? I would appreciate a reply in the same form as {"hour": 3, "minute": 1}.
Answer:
{"hour": 8, "minute": 31}
